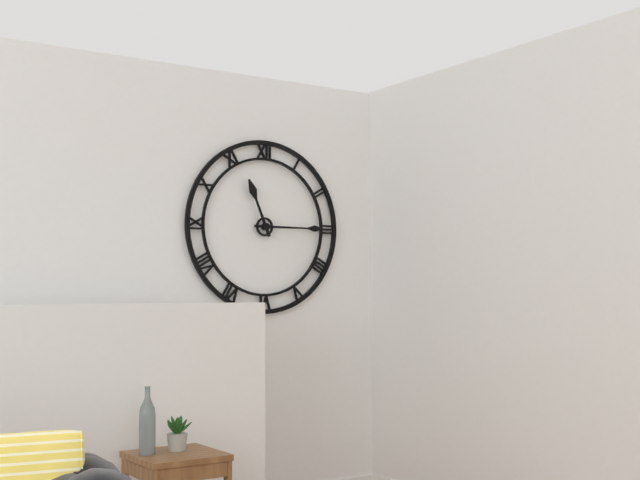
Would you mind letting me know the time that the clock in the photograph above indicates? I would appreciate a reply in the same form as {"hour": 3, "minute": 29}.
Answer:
{"hour": 11, "minute": 15}
